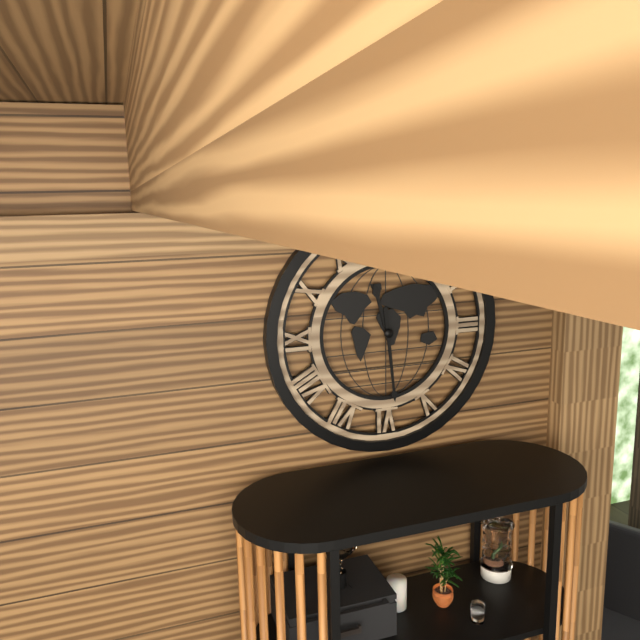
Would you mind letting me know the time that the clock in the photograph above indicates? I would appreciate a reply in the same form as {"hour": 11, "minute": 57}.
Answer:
{"hour": 11, "minute": 29}
